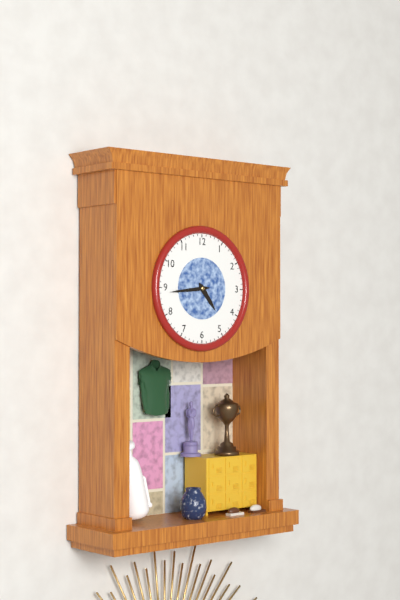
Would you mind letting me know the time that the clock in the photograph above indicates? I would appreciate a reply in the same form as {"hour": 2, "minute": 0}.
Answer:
{"hour": 4, "minute": 44}
